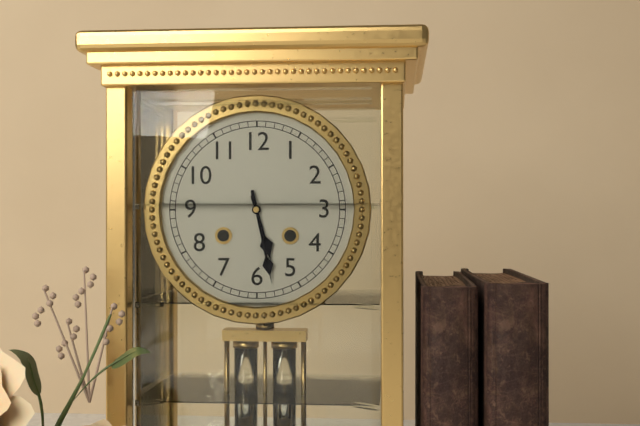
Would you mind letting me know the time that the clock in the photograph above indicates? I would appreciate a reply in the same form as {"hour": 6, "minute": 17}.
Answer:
{"hour": 5, "minute": 28}
